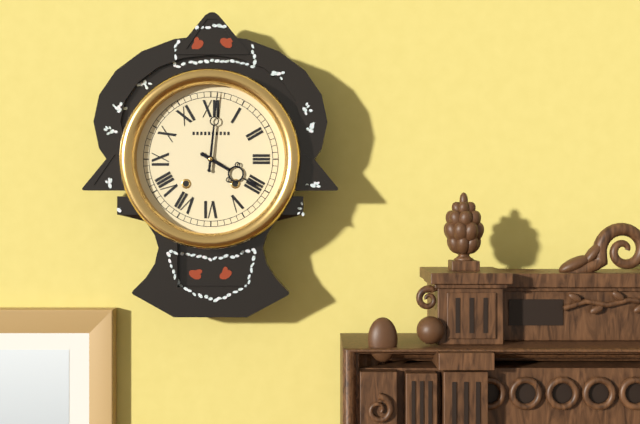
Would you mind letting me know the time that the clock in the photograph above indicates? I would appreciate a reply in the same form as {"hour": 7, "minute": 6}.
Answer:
{"hour": 4, "minute": 1}
